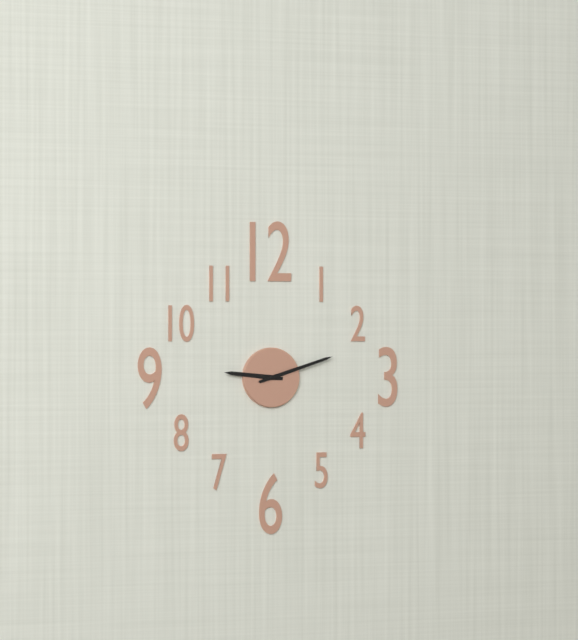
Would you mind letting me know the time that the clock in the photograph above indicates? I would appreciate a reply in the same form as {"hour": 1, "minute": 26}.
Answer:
{"hour": 9, "minute": 12}
